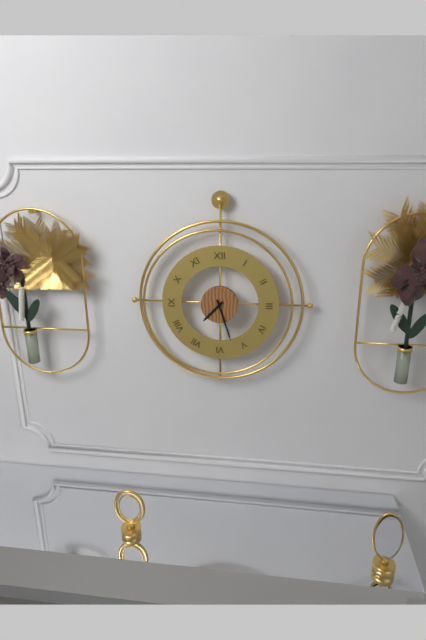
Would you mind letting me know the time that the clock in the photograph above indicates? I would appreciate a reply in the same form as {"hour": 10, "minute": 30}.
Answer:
{"hour": 7, "minute": 27}
